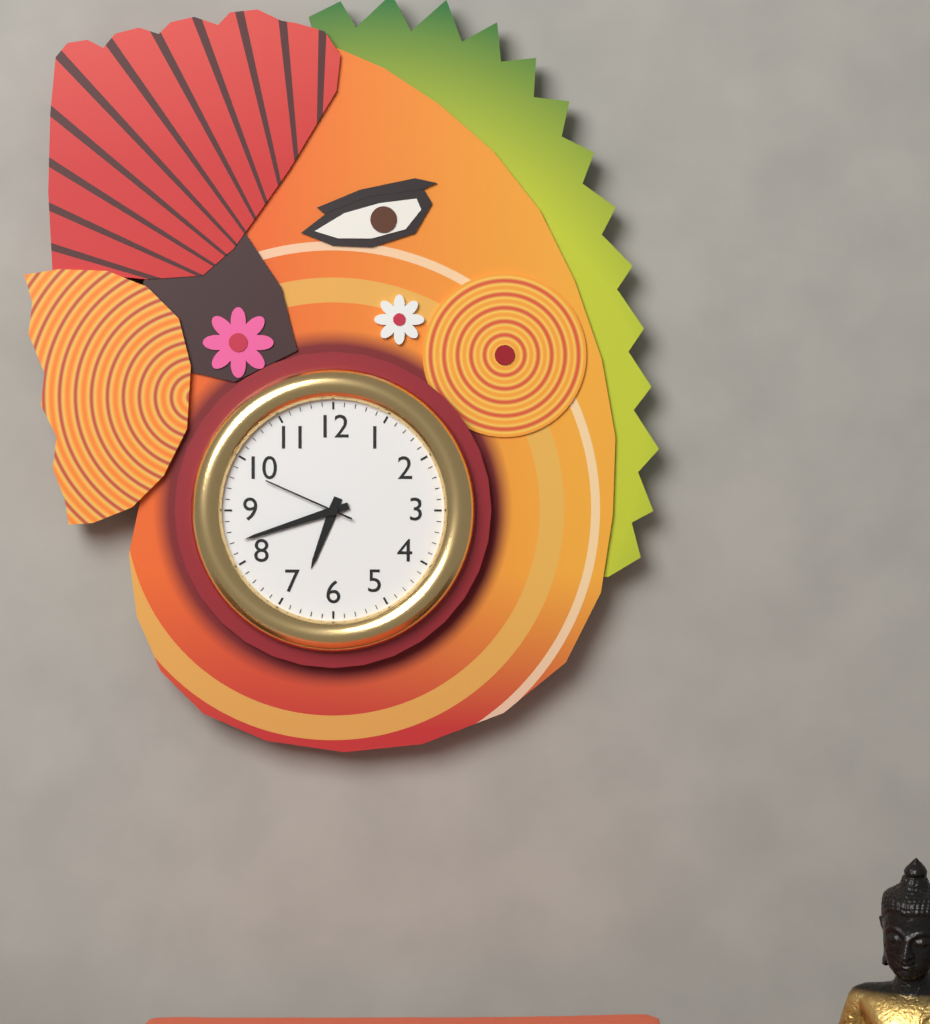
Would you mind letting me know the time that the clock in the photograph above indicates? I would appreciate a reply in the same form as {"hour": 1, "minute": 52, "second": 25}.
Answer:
{"hour": 6, "minute": 42, "second": 49}
